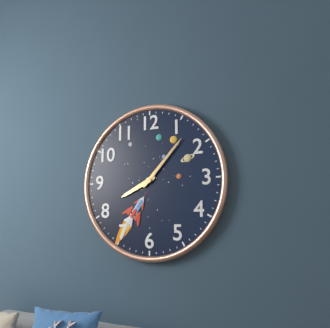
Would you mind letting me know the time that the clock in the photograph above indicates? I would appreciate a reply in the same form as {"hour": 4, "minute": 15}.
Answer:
{"hour": 8, "minute": 7}
